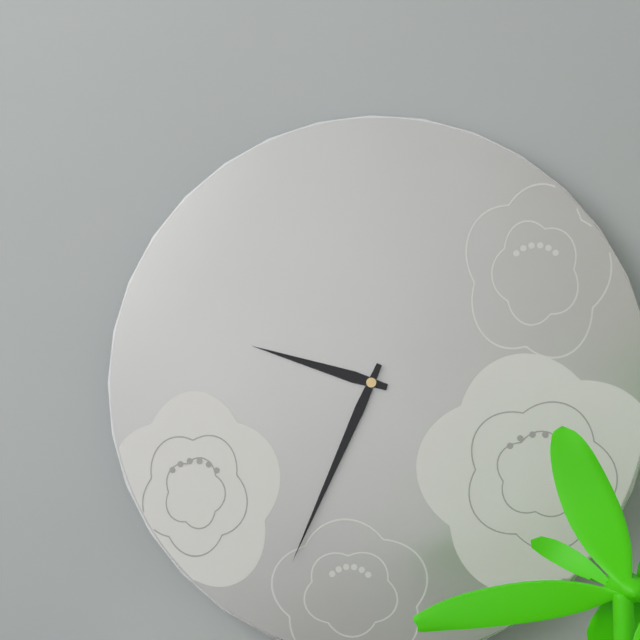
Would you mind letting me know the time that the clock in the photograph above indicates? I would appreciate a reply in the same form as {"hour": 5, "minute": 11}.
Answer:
{"hour": 9, "minute": 34}
